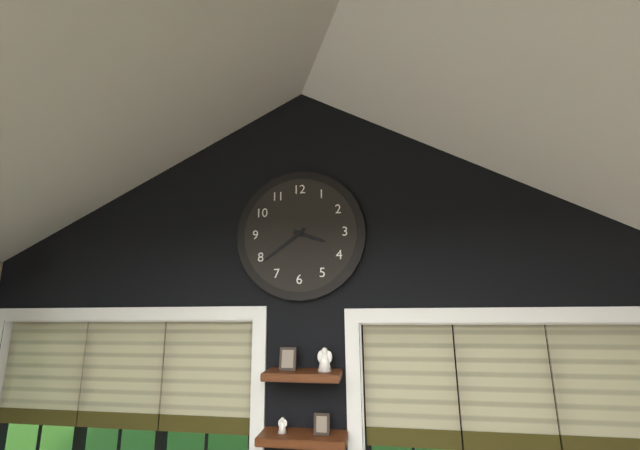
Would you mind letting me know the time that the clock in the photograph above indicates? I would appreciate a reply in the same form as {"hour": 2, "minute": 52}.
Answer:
{"hour": 3, "minute": 39}
